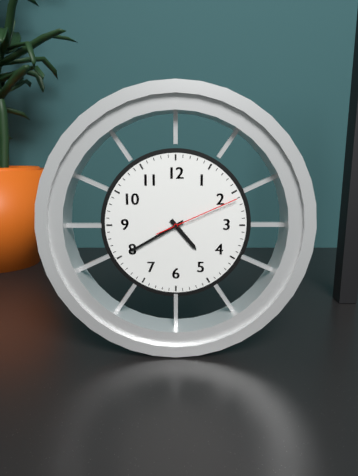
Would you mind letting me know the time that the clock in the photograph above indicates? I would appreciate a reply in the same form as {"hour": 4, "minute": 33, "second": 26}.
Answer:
{"hour": 4, "minute": 40, "second": 11}
